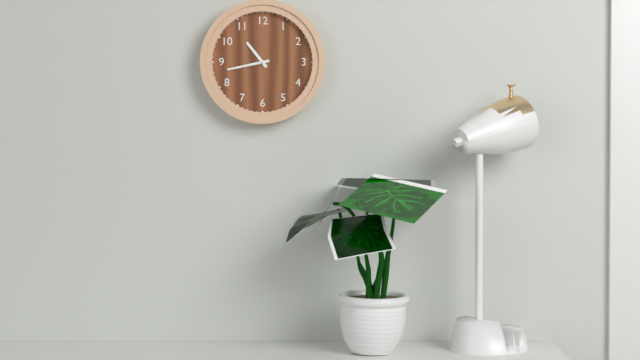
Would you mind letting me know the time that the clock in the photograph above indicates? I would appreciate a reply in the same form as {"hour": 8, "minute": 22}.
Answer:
{"hour": 10, "minute": 43}
